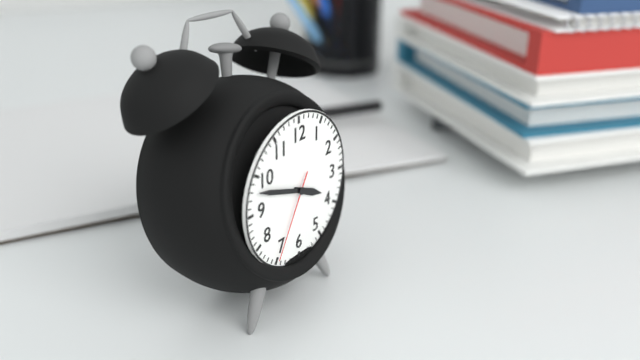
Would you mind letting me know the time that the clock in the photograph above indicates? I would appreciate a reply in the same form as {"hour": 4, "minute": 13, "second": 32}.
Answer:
{"hour": 3, "minute": 48, "second": 35}
